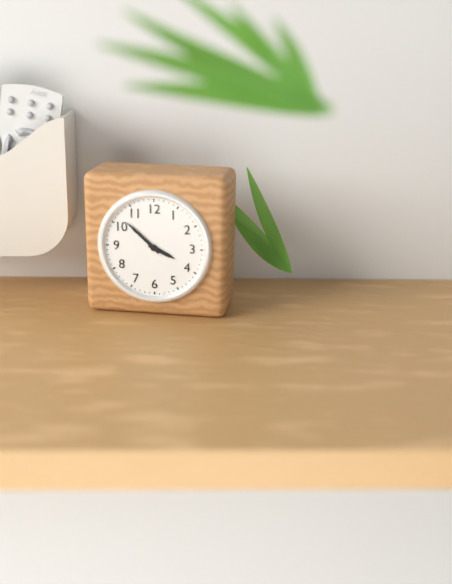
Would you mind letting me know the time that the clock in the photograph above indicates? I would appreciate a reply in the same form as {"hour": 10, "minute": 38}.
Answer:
{"hour": 3, "minute": 52}
